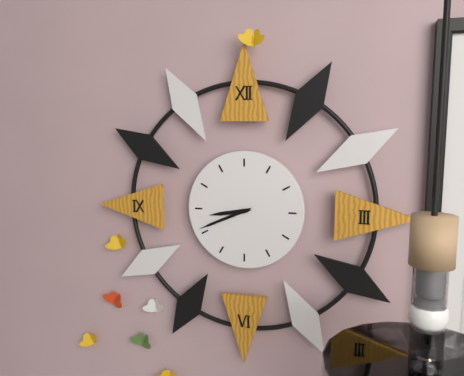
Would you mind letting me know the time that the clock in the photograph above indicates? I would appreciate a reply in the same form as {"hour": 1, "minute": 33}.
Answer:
{"hour": 8, "minute": 41}
